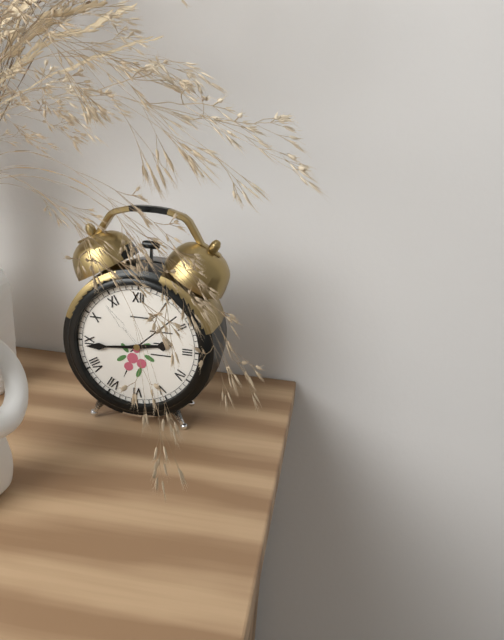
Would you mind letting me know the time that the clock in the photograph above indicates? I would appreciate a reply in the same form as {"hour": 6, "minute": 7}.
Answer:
{"hour": 2, "minute": 44}
